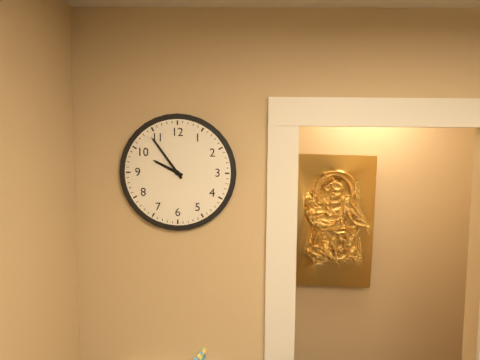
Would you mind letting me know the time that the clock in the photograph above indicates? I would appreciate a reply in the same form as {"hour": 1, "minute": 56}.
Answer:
{"hour": 9, "minute": 54}
